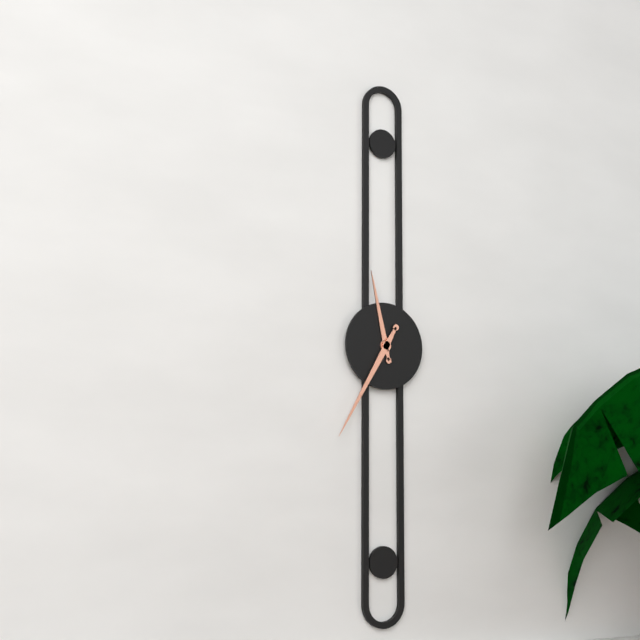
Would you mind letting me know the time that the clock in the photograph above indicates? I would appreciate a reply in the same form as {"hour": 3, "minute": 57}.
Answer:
{"hour": 11, "minute": 35}
